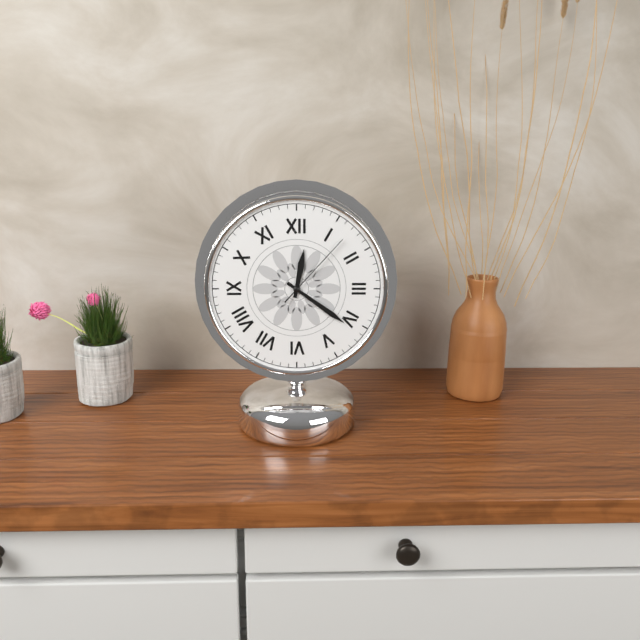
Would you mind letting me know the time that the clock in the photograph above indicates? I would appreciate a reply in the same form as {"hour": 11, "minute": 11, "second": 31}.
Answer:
{"hour": 12, "minute": 21, "second": 7}
